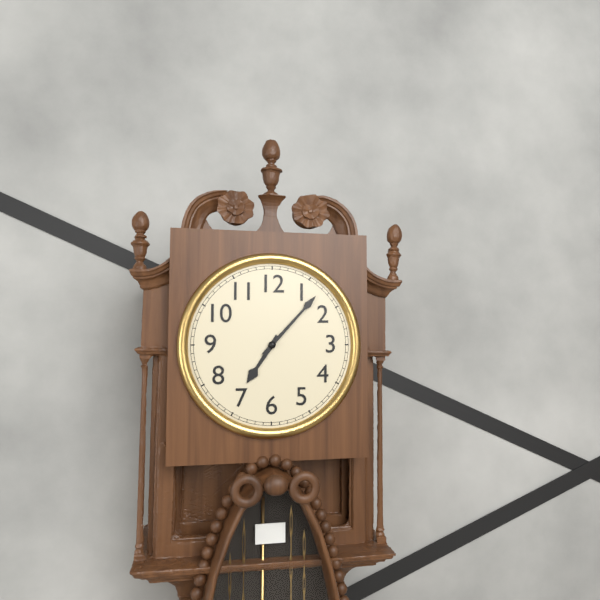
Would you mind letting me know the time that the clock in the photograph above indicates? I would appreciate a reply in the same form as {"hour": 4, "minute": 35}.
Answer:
{"hour": 7, "minute": 7}
